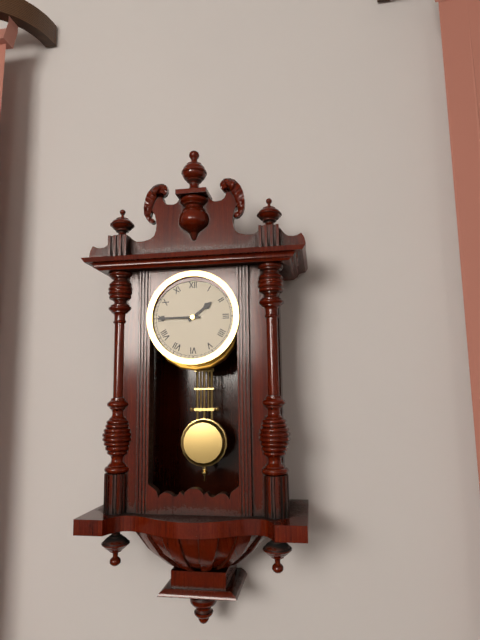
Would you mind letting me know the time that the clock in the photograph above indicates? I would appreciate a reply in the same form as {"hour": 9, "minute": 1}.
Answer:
{"hour": 1, "minute": 45}
